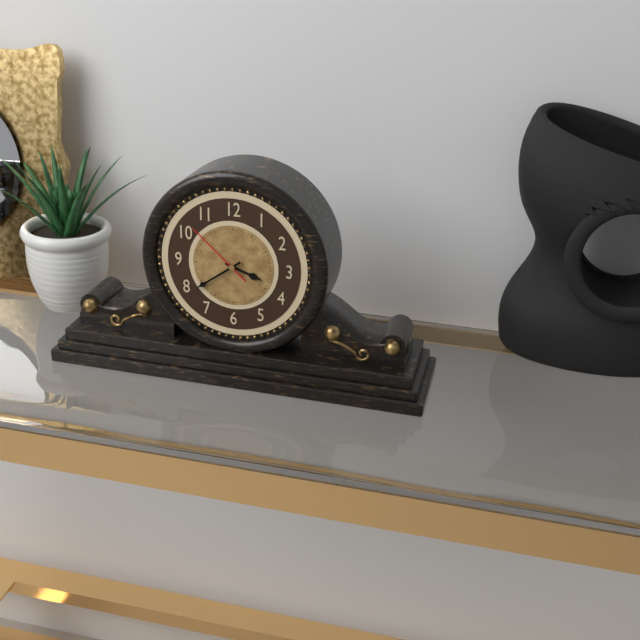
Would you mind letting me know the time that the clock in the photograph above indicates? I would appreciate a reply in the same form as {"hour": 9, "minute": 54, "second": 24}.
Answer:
{"hour": 3, "minute": 39, "second": 52}
